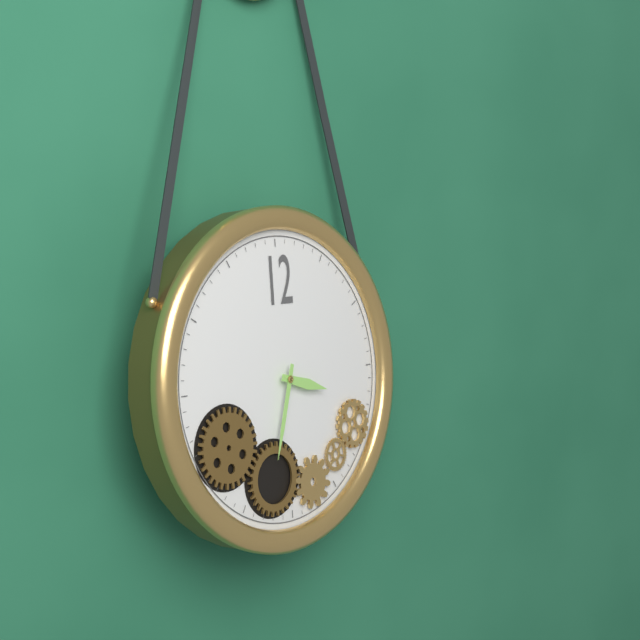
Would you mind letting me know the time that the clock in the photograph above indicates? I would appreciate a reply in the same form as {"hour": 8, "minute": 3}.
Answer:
{"hour": 3, "minute": 33}
